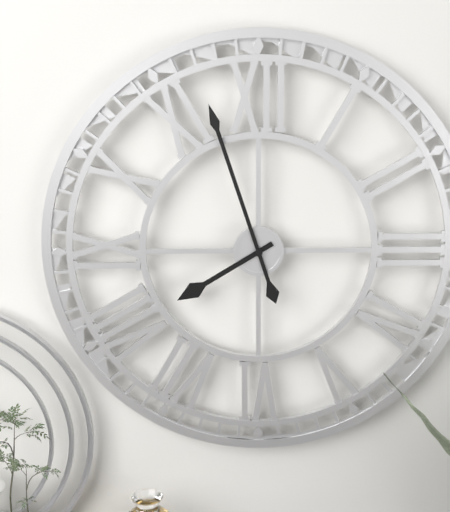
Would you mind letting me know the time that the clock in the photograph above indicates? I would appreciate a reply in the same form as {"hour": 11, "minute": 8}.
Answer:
{"hour": 7, "minute": 57}
